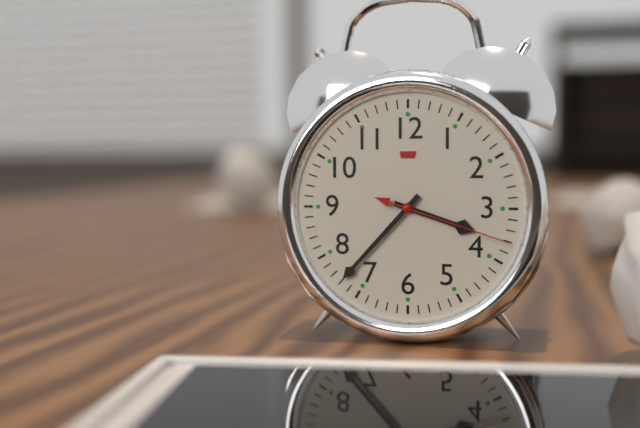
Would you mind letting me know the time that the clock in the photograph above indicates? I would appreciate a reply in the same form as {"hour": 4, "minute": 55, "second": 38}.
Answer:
{"hour": 3, "minute": 37, "second": 18}
